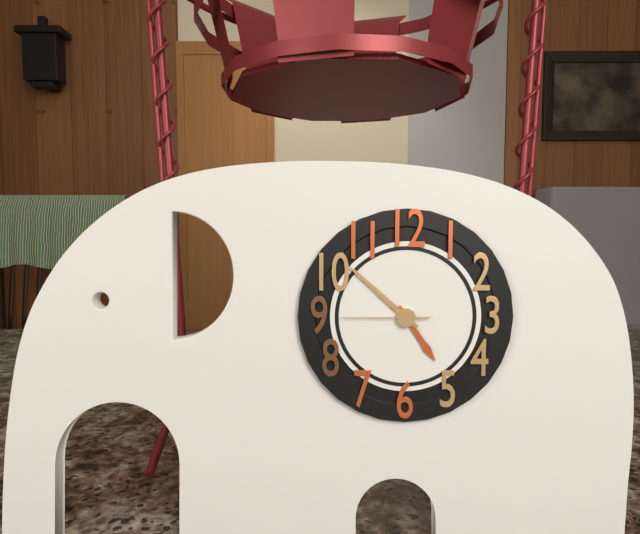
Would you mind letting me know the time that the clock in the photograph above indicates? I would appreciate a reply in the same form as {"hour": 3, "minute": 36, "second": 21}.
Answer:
{"hour": 4, "minute": 52, "second": 45}
